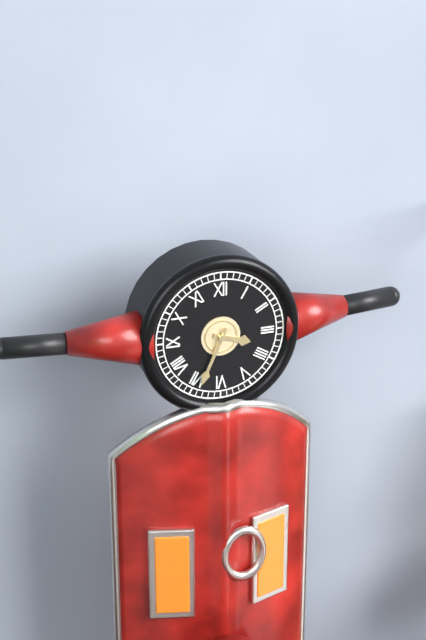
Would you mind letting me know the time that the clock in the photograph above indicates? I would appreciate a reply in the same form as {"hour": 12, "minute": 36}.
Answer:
{"hour": 3, "minute": 34}
